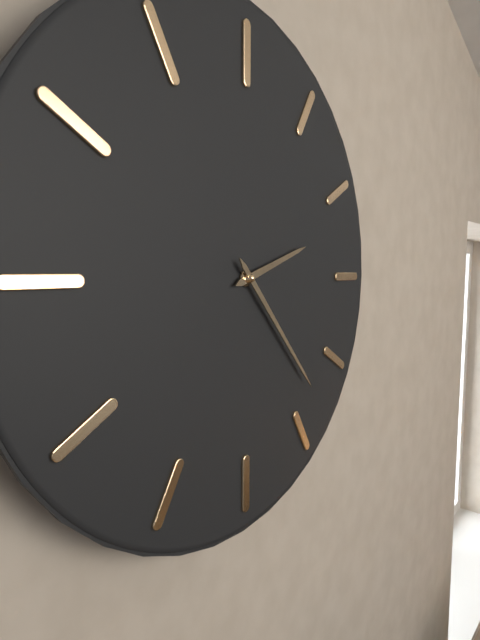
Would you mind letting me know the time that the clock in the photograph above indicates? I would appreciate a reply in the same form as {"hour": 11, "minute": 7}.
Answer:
{"hour": 2, "minute": 23}
